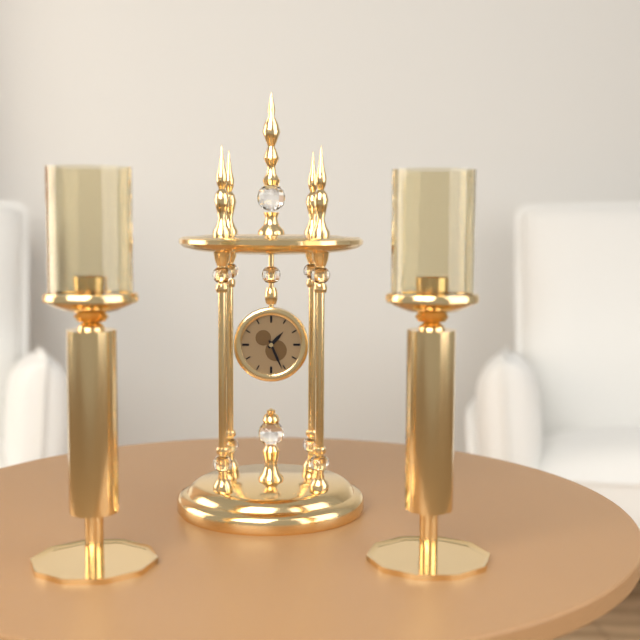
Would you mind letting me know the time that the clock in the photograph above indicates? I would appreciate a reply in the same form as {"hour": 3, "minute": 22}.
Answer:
{"hour": 1, "minute": 26}
